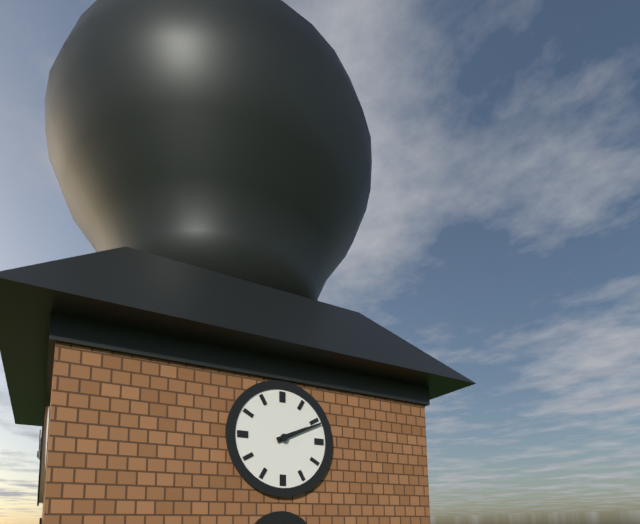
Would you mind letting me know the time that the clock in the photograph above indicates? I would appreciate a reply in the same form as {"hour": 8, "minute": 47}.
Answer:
{"hour": 2, "minute": 11}
